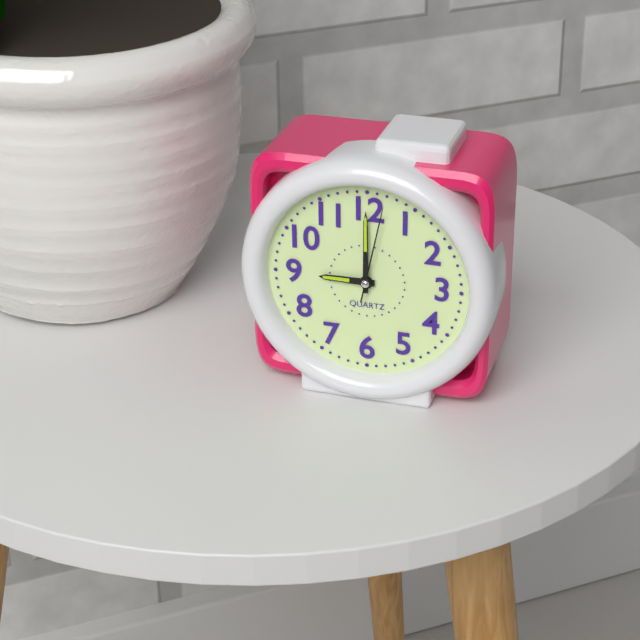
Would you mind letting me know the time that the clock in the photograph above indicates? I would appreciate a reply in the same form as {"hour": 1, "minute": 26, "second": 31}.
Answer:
{"hour": 9, "minute": 0, "second": 2}
